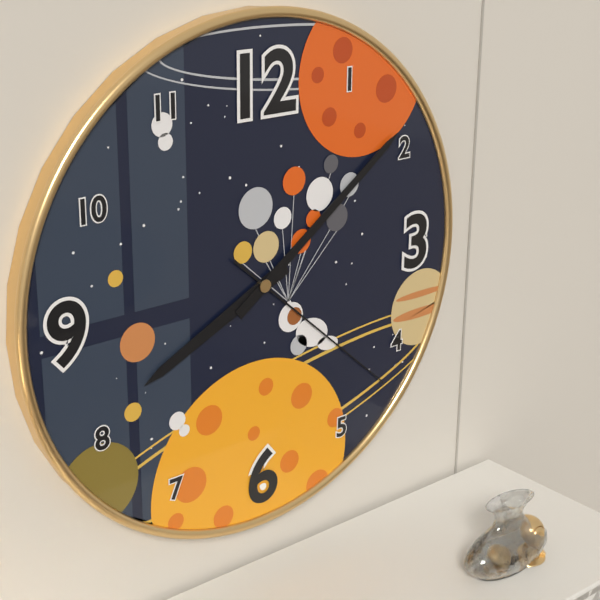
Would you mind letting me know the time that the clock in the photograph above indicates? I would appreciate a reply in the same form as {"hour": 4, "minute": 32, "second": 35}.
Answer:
{"hour": 8, "minute": 9, "second": 22}
